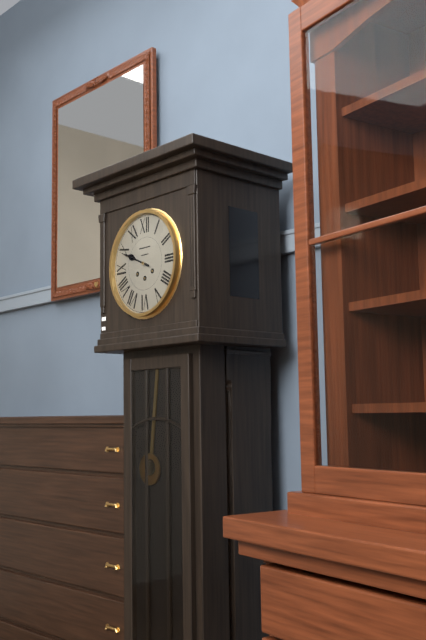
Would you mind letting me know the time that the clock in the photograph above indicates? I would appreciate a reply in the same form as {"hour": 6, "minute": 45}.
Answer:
{"hour": 9, "minute": 49}
